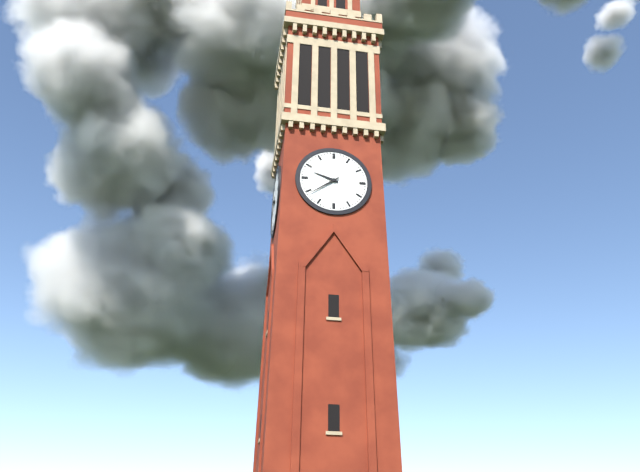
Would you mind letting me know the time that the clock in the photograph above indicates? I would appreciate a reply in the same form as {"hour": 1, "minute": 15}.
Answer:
{"hour": 9, "minute": 39}
